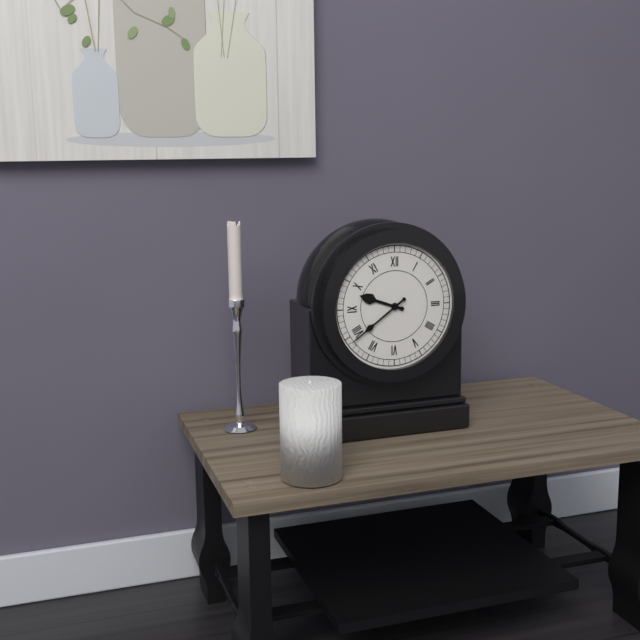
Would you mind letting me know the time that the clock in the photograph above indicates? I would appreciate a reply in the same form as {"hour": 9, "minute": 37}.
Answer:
{"hour": 9, "minute": 39}
